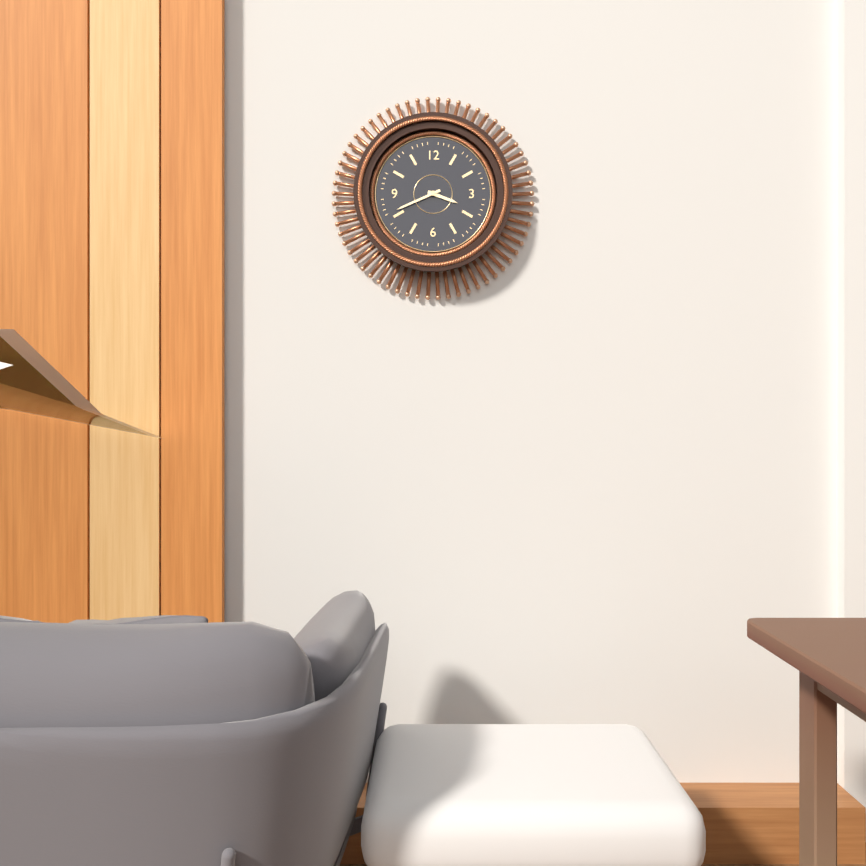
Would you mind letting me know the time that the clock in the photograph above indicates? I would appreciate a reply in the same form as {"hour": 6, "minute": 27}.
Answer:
{"hour": 3, "minute": 41}
